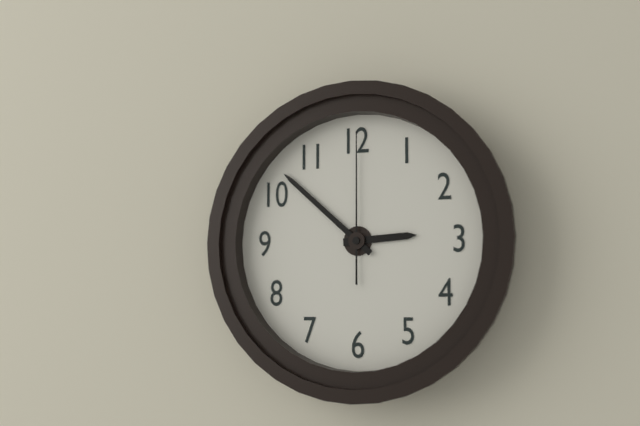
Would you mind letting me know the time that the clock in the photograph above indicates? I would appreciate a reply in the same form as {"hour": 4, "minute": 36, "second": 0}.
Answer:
{"hour": 2, "minute": 52, "second": 0}
